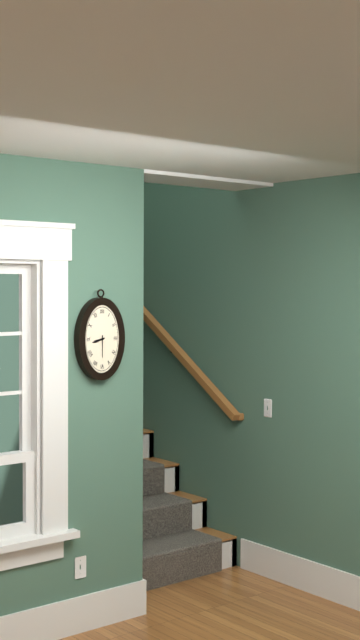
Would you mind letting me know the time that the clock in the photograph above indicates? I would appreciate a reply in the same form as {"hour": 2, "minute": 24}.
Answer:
{"hour": 8, "minute": 30}
